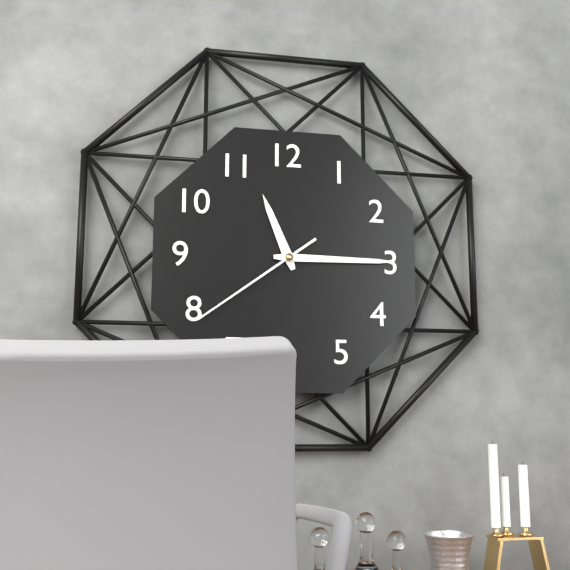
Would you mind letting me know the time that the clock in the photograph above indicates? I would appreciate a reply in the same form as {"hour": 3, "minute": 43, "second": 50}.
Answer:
{"hour": 11, "minute": 15, "second": 39}
